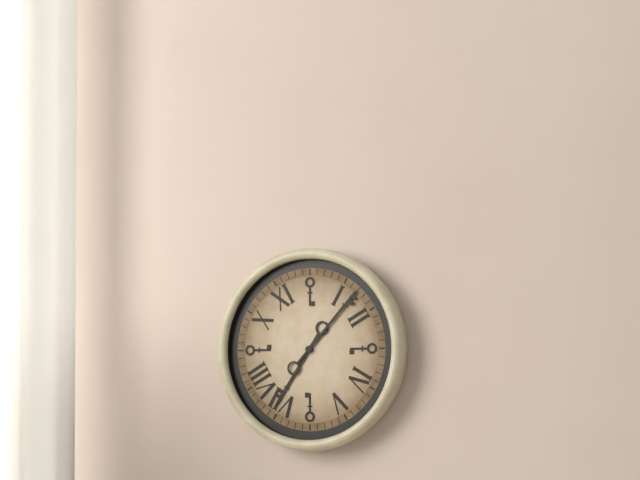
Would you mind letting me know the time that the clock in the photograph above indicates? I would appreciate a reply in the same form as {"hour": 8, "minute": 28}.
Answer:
{"hour": 7, "minute": 7}
